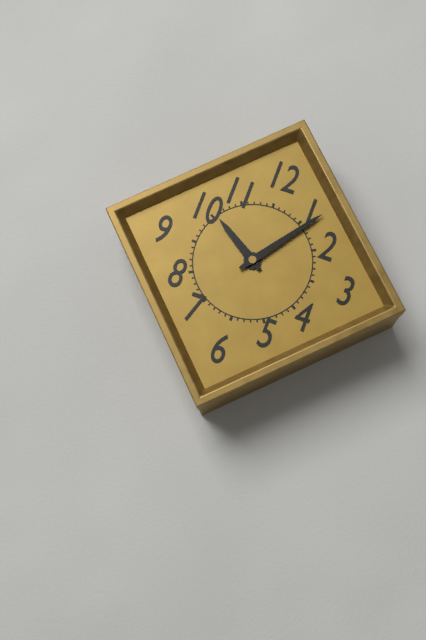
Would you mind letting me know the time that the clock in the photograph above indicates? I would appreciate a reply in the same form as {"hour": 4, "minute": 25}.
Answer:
{"hour": 10, "minute": 6}
